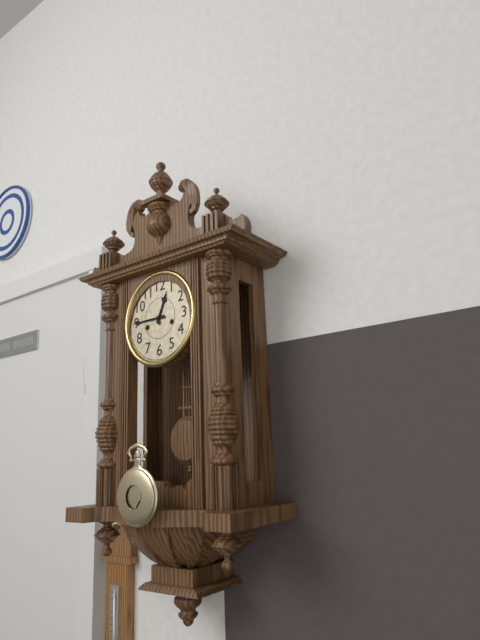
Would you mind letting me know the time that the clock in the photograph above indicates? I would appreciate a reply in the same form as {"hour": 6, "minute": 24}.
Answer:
{"hour": 12, "minute": 45}
